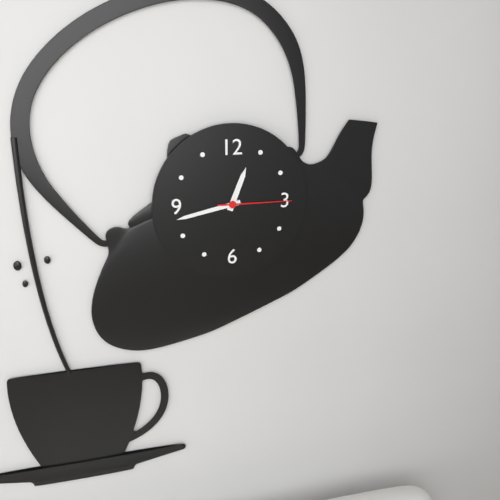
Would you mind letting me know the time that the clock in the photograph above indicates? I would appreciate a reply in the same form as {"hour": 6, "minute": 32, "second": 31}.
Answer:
{"hour": 12, "minute": 43, "second": 15}
